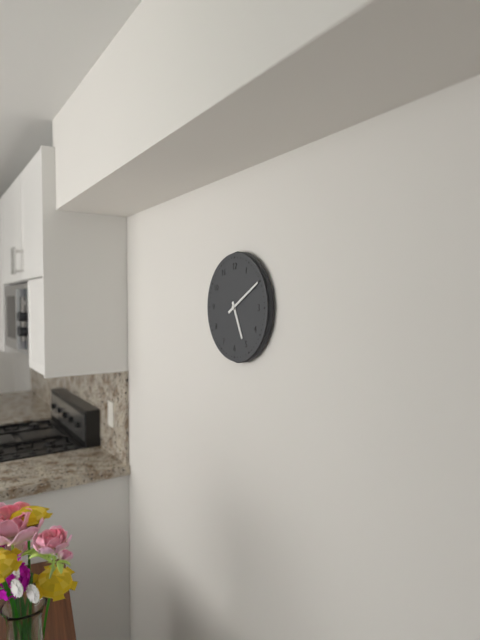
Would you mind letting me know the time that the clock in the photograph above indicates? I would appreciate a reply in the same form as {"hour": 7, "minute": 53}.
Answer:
{"hour": 5, "minute": 10}
